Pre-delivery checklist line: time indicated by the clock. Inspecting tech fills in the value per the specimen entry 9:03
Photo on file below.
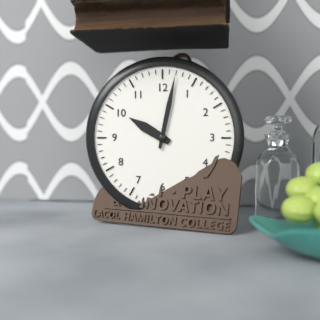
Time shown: 10:02
